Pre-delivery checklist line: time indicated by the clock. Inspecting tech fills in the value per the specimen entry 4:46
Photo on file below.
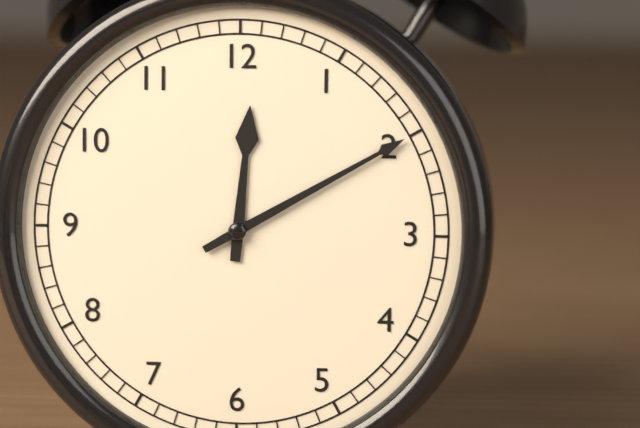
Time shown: 12:10
